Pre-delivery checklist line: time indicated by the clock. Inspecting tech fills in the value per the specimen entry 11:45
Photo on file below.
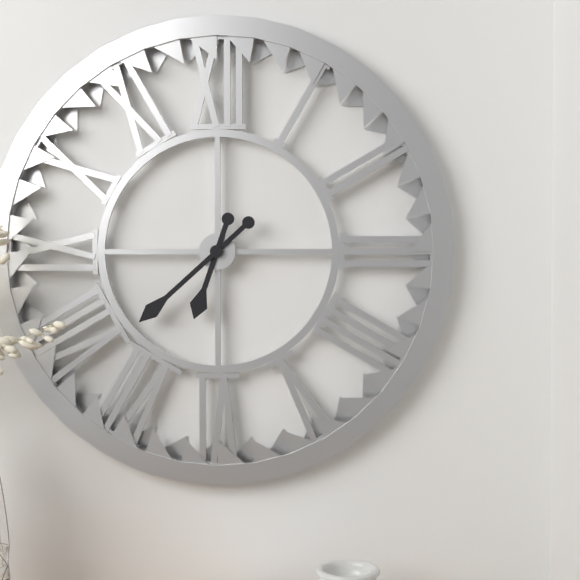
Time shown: 6:38
